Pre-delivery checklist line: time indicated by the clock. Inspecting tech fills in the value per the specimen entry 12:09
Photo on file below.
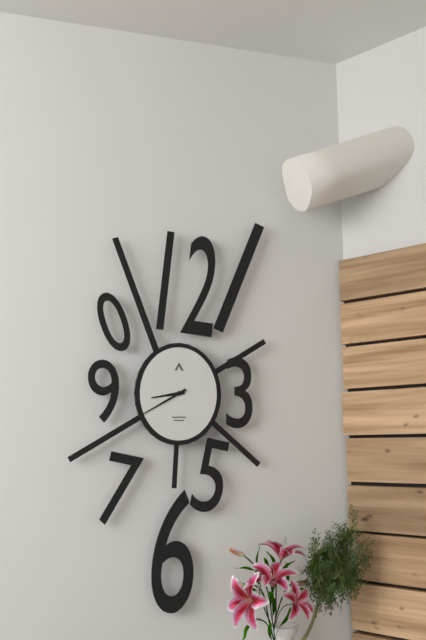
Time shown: 8:40
